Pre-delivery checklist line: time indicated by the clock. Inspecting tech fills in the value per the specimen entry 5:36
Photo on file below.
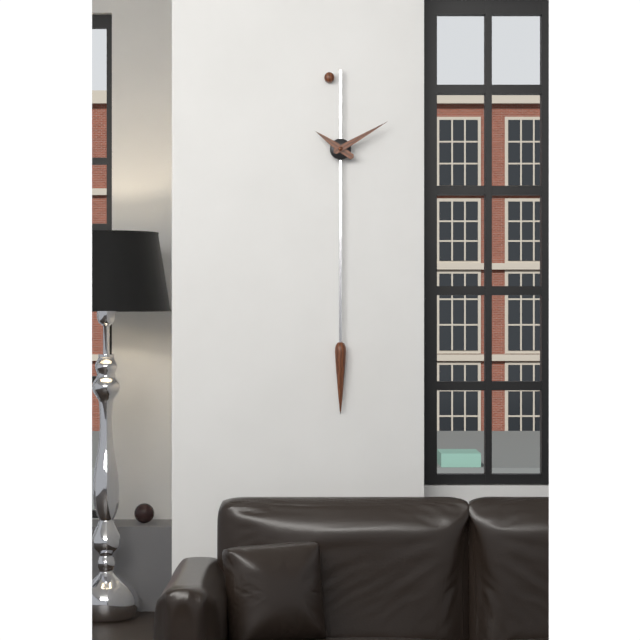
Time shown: 10:10
